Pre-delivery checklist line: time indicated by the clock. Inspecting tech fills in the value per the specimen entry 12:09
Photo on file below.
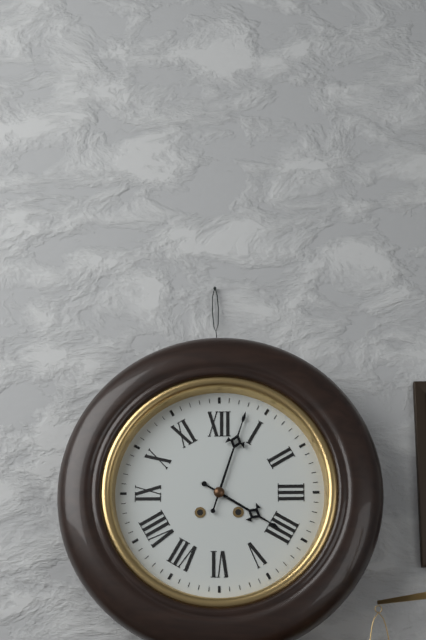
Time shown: 4:03
